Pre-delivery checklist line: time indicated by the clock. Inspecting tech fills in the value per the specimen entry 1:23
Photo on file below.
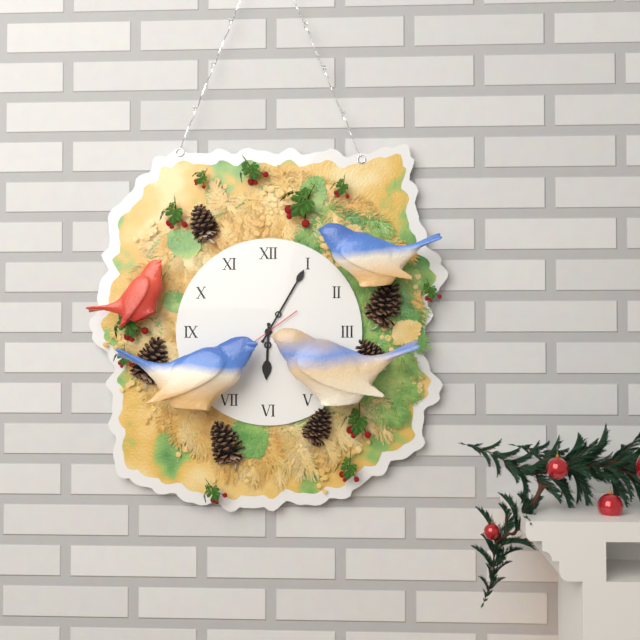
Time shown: 6:05
